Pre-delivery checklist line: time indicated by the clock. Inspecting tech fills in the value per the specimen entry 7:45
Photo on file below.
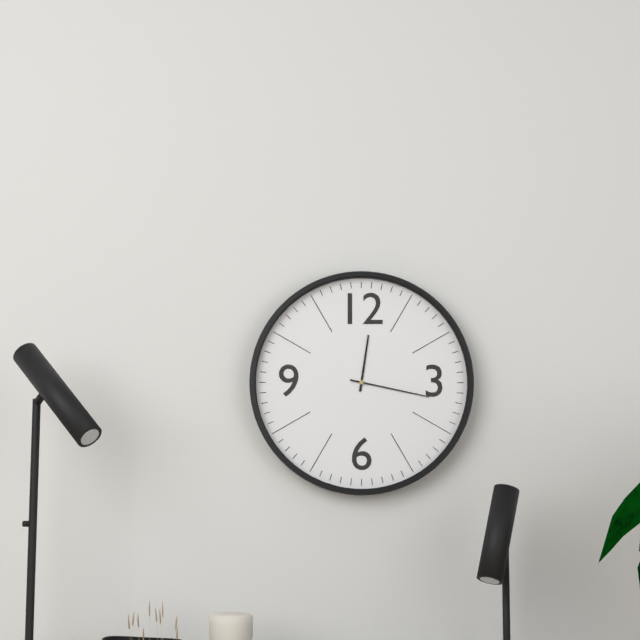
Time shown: 12:17
